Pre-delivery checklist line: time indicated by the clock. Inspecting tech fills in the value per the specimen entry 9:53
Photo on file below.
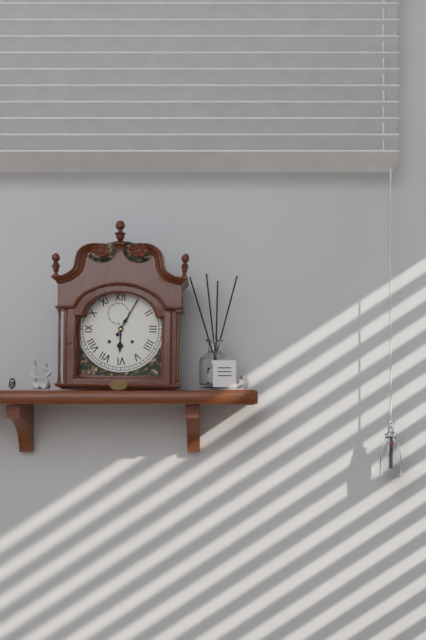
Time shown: 6:05
